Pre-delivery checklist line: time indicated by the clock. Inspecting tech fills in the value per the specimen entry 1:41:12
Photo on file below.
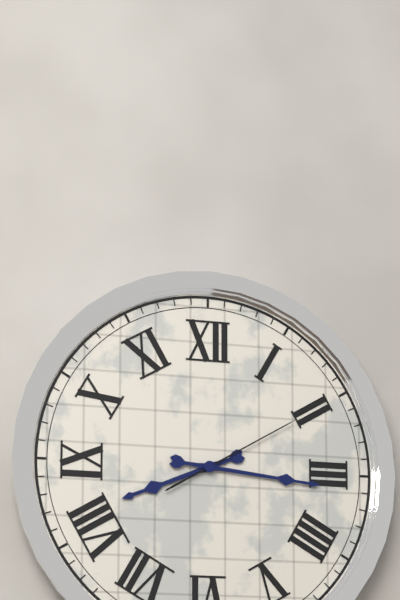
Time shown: 8:16:10
